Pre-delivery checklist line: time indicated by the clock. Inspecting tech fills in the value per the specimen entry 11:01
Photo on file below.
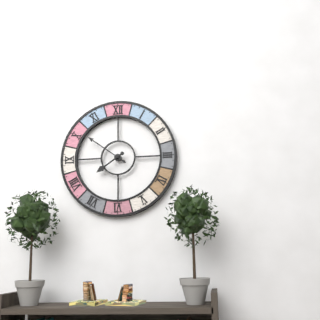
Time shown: 7:51
